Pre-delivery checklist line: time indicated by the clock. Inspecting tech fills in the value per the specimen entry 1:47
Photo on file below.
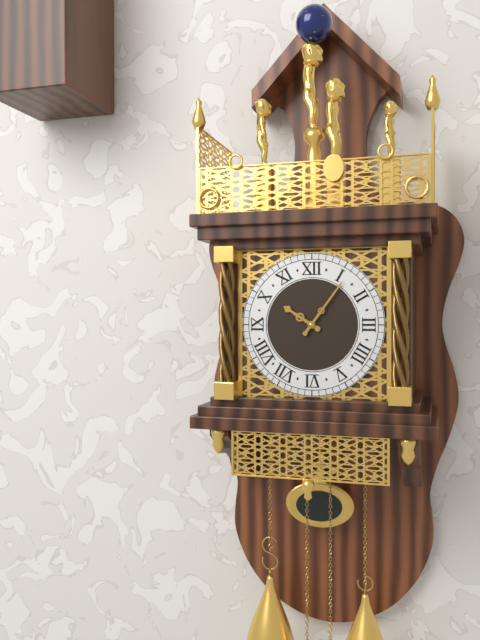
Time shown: 10:06
